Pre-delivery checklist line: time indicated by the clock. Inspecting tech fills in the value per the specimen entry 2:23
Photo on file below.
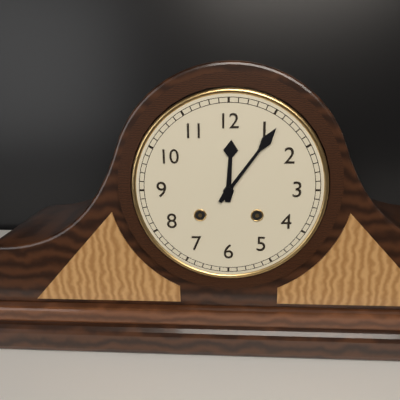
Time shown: 12:06
